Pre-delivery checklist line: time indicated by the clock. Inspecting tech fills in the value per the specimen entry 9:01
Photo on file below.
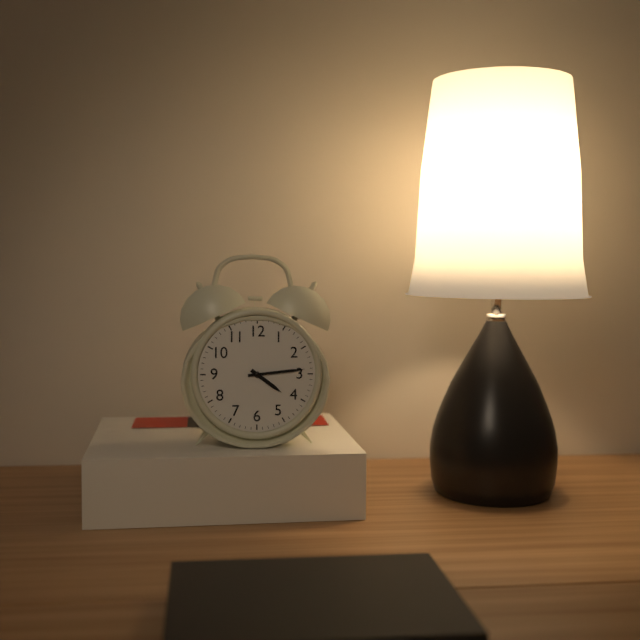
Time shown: 4:14
